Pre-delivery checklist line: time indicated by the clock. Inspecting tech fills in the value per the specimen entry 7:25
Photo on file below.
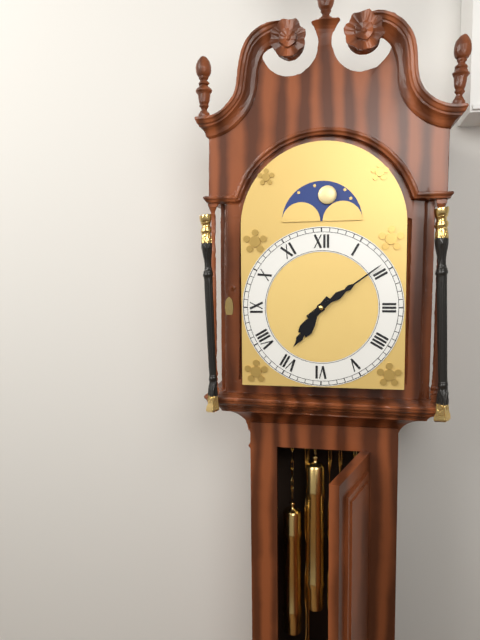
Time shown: 7:09
